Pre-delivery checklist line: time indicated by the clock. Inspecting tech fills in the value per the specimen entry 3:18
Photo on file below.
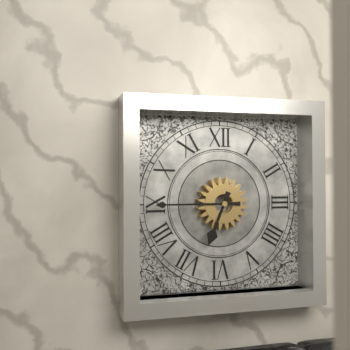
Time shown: 6:45
